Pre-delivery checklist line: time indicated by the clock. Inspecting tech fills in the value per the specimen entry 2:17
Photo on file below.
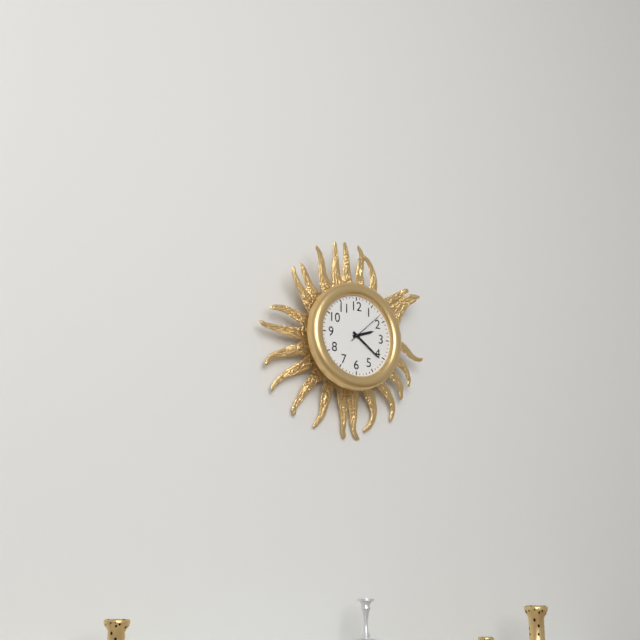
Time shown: 2:21
